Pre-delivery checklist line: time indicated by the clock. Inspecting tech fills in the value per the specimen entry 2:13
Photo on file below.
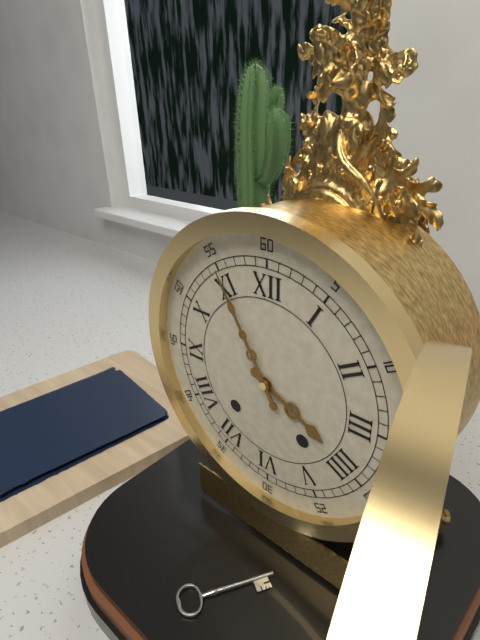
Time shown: 3:55
